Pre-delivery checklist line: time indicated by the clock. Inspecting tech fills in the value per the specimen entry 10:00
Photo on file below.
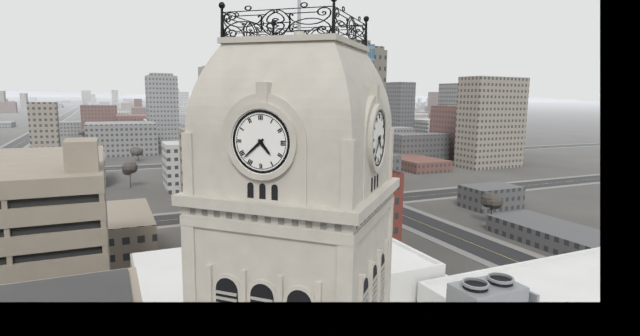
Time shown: 4:38
